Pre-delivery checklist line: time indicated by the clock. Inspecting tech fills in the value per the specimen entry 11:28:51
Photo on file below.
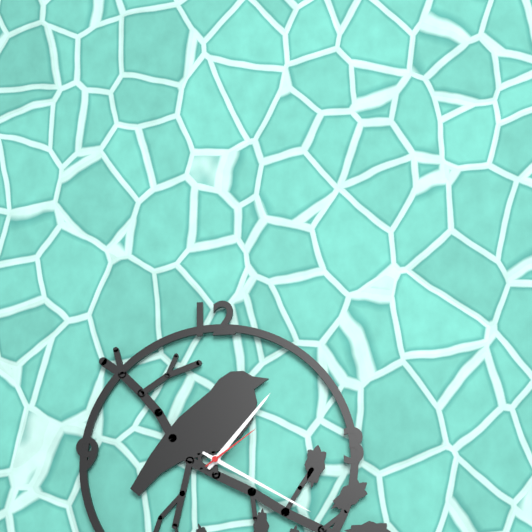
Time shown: 1:20:09
